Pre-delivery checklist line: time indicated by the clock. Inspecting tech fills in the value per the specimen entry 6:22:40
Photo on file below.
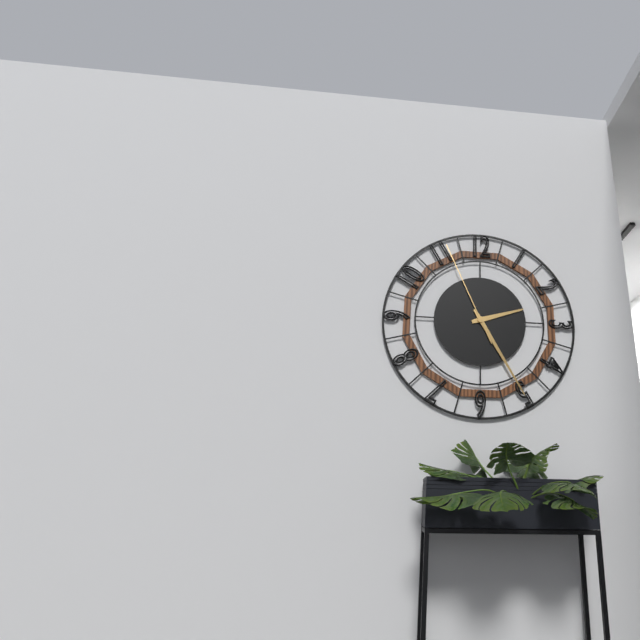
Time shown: 2:25:56
